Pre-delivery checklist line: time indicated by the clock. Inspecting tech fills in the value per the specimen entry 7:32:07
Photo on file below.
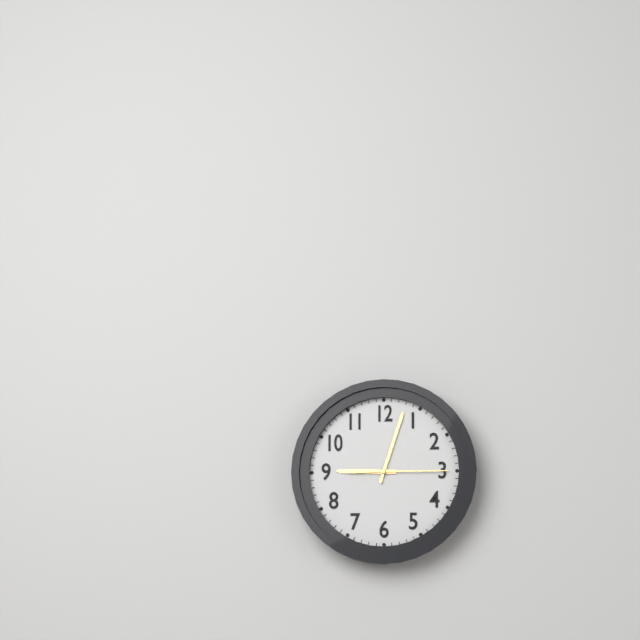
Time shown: 9:03:15
